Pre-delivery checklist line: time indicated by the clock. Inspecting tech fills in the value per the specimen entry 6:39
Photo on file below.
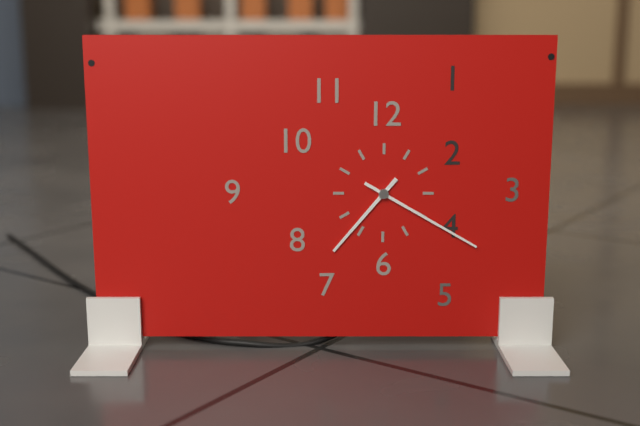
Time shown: 7:20
